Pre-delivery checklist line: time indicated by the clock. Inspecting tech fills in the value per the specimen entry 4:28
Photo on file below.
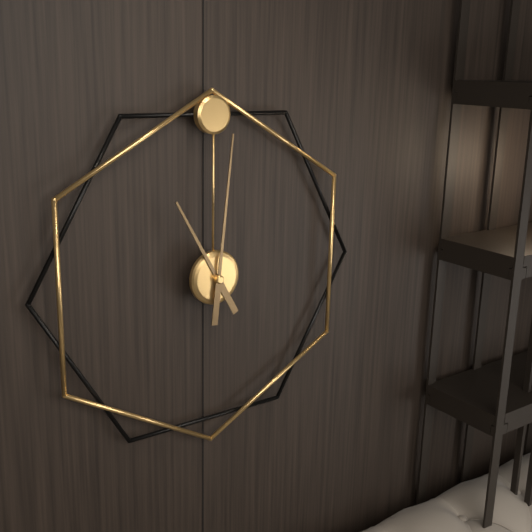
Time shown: 11:01
